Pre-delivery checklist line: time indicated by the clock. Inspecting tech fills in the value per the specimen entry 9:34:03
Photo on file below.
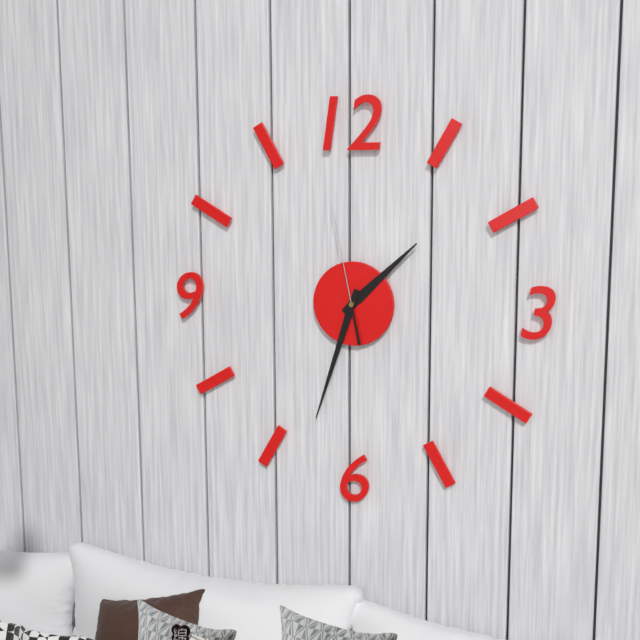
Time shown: 1:33:58
